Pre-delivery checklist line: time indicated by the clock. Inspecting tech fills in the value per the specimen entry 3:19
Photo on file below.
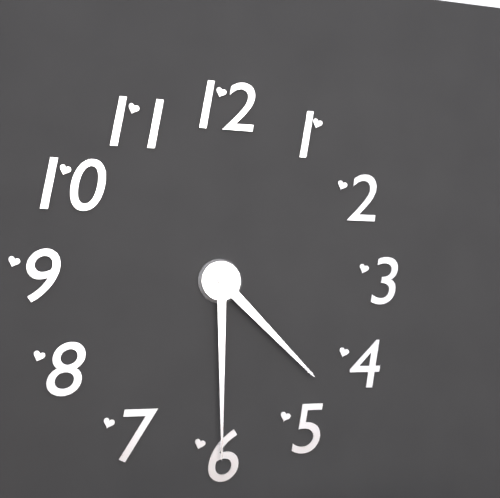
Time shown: 4:30
